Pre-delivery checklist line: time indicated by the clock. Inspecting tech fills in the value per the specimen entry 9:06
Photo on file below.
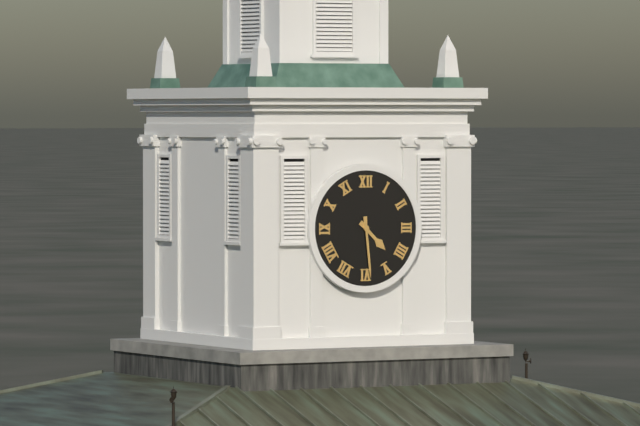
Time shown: 4:29
